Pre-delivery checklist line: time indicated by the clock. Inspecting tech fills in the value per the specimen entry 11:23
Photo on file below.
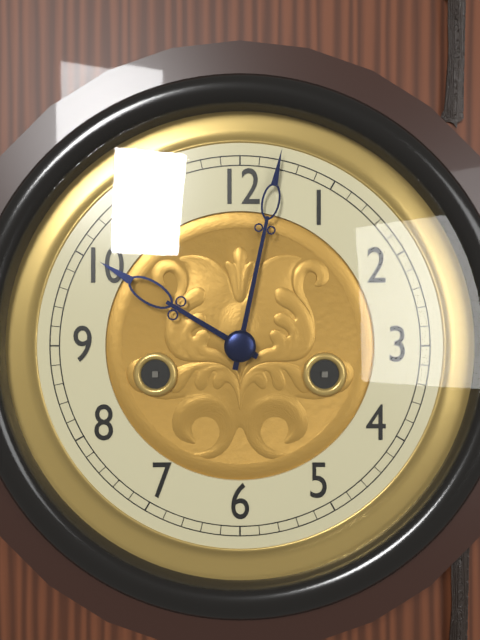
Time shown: 10:02
